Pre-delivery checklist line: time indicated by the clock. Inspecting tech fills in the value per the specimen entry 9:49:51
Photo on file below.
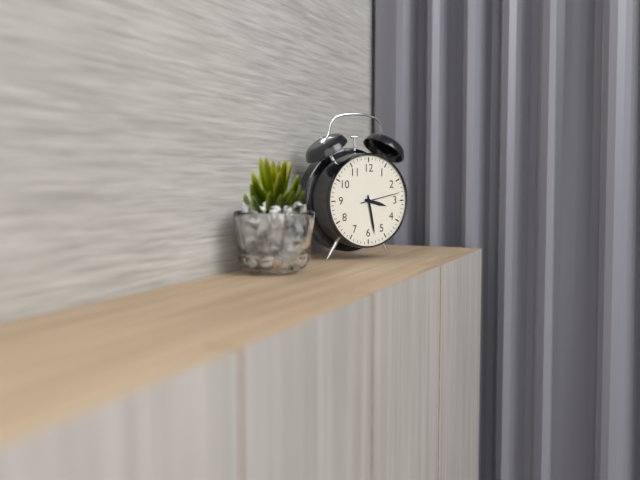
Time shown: 3:28:13
